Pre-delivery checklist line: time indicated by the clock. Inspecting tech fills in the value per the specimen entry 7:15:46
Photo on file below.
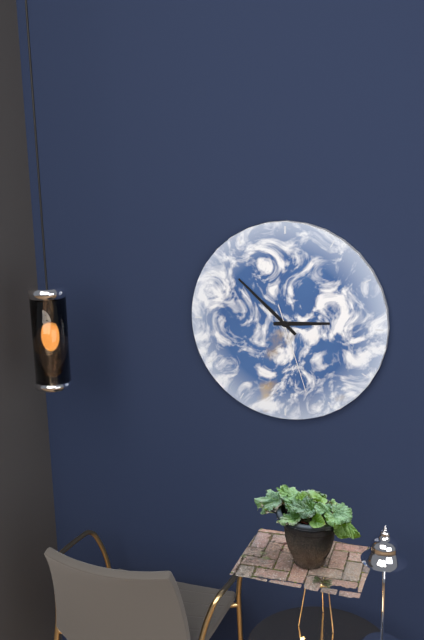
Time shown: 2:52:27
